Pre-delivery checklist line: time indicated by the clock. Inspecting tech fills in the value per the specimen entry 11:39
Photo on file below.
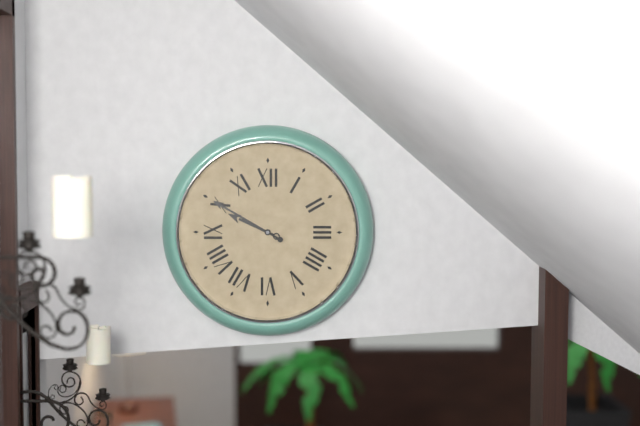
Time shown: 9:50
